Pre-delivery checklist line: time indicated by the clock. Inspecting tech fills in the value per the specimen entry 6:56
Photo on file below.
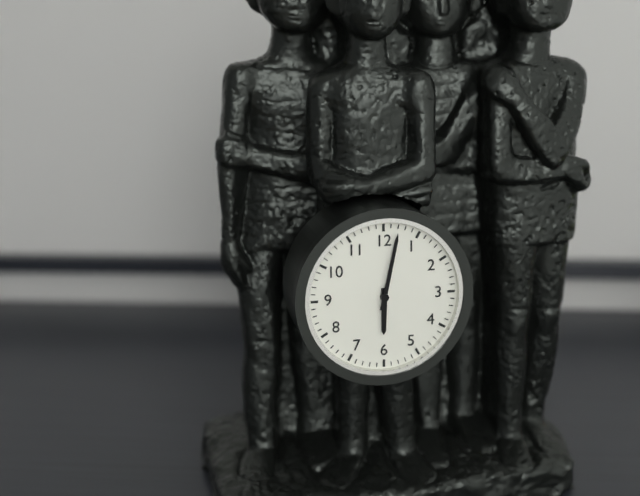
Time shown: 6:02
